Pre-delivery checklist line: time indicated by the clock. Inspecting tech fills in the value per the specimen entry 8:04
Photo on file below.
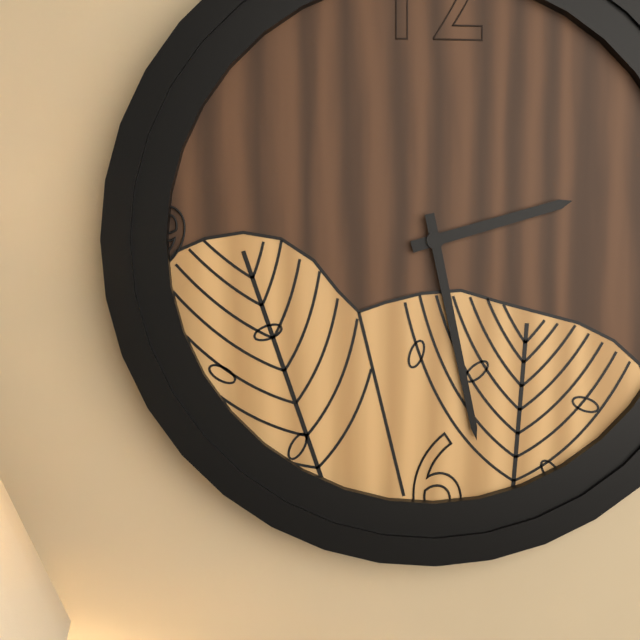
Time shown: 2:28
